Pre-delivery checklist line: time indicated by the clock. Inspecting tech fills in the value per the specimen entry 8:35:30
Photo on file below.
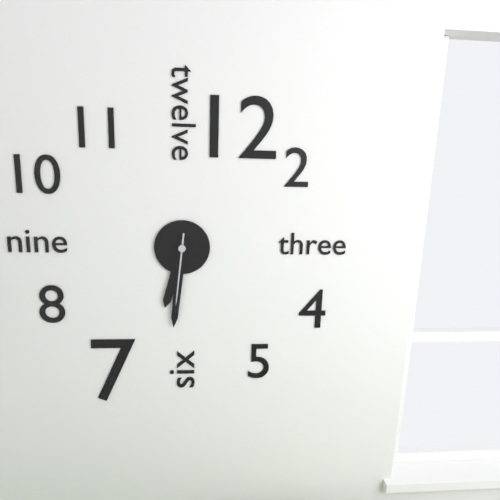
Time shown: 6:31:31
